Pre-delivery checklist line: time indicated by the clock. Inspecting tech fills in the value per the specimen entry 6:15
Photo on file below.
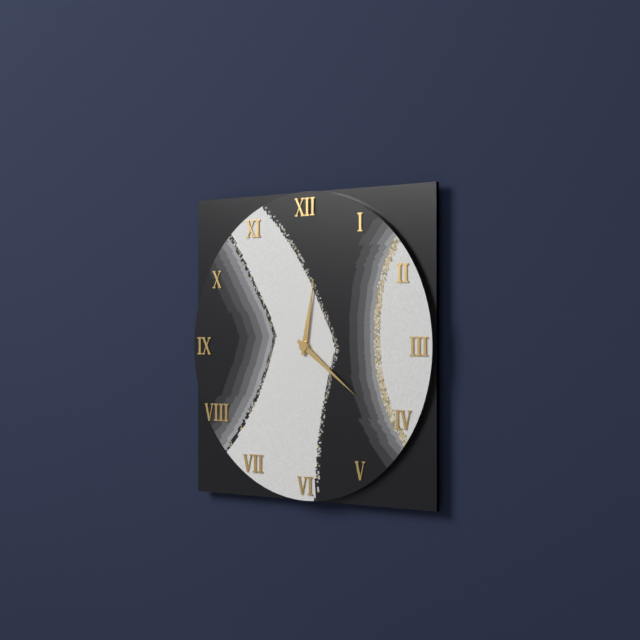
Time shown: 12:21
